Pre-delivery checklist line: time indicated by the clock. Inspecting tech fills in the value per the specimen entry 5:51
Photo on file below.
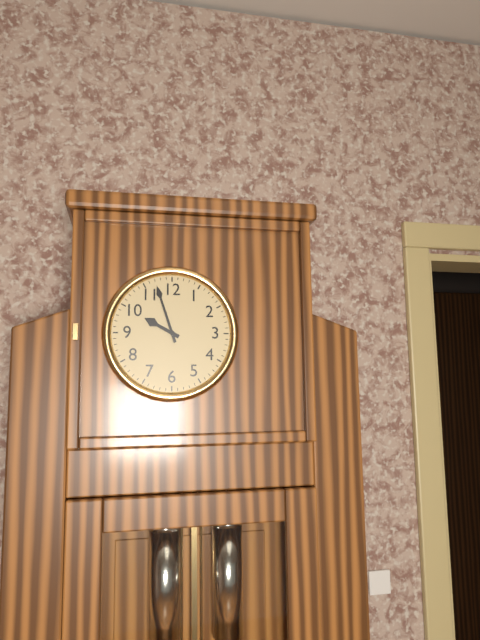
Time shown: 9:57
